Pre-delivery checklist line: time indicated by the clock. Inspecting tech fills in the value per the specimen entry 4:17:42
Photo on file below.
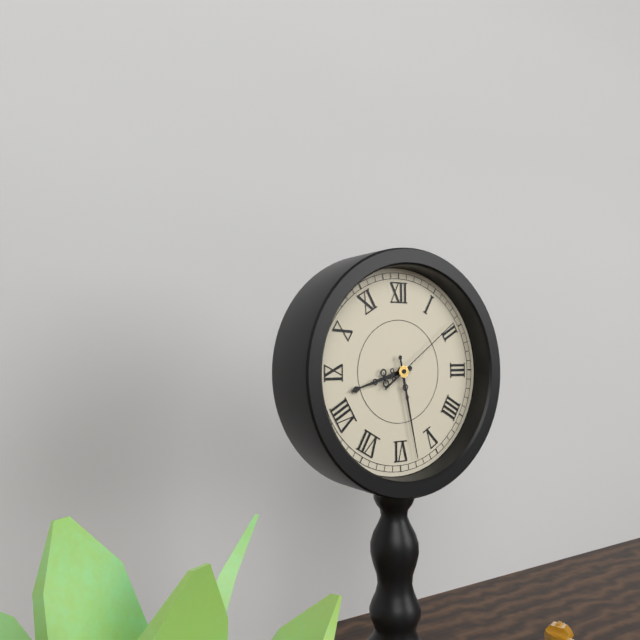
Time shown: 8:28:09
